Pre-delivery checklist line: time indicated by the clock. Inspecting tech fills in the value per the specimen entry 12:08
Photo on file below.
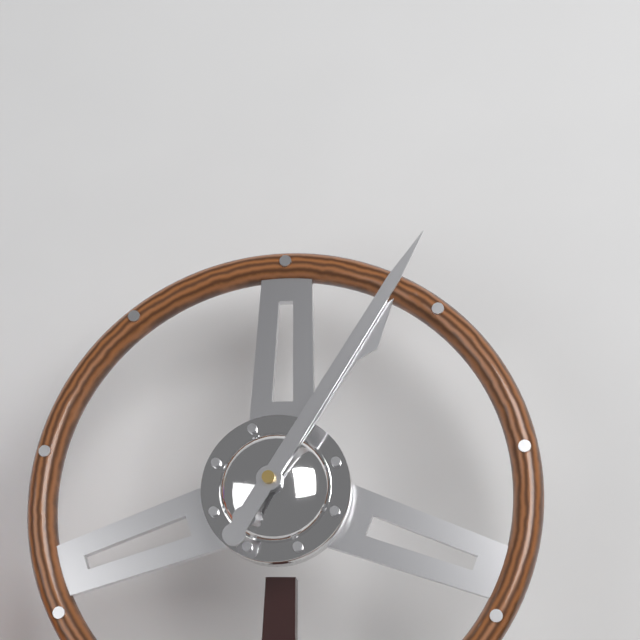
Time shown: 1:05
